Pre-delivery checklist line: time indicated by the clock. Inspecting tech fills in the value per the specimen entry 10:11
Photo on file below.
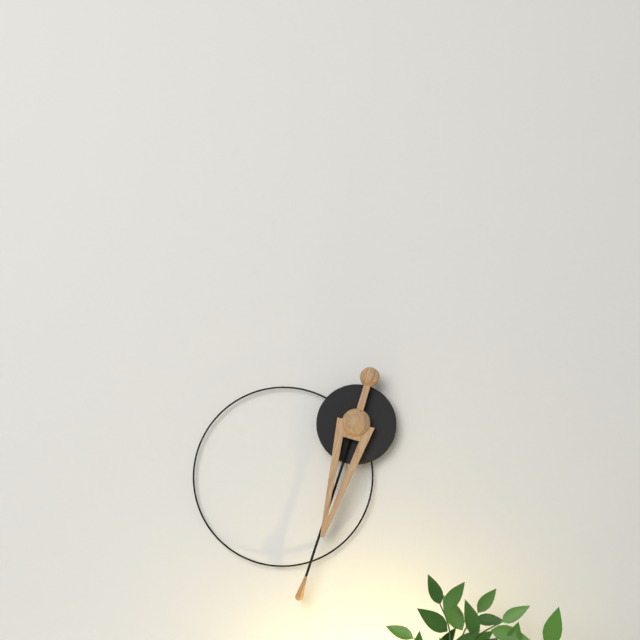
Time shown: 6:33
